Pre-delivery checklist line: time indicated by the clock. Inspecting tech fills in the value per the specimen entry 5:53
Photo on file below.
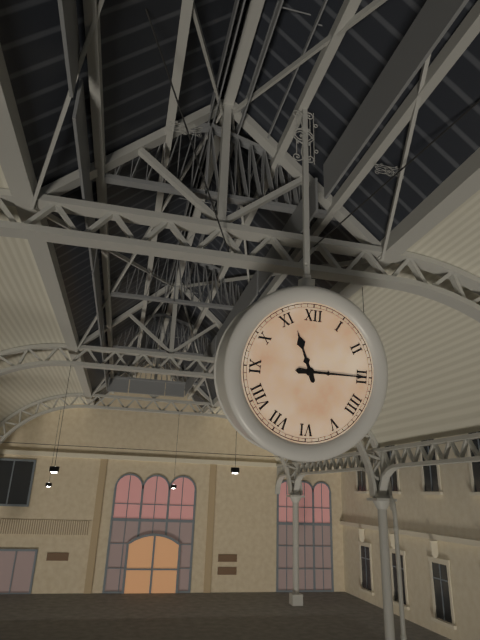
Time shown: 11:15
